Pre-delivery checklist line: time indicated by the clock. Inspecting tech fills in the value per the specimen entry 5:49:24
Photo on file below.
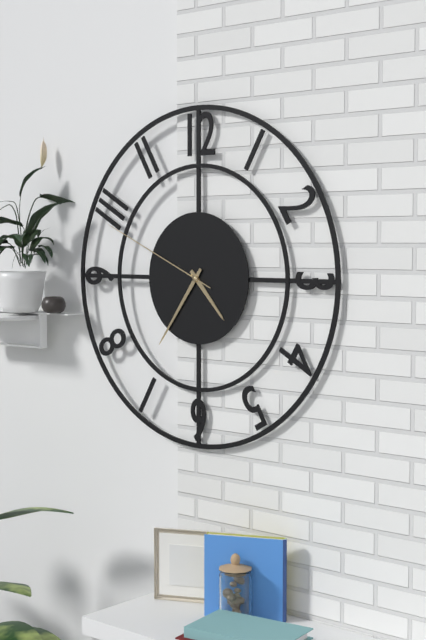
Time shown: 4:36:49
